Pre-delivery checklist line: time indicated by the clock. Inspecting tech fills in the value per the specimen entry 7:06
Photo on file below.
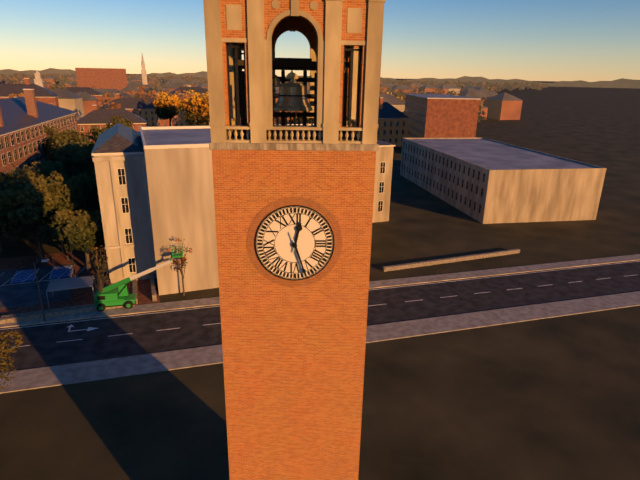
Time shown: 12:27
